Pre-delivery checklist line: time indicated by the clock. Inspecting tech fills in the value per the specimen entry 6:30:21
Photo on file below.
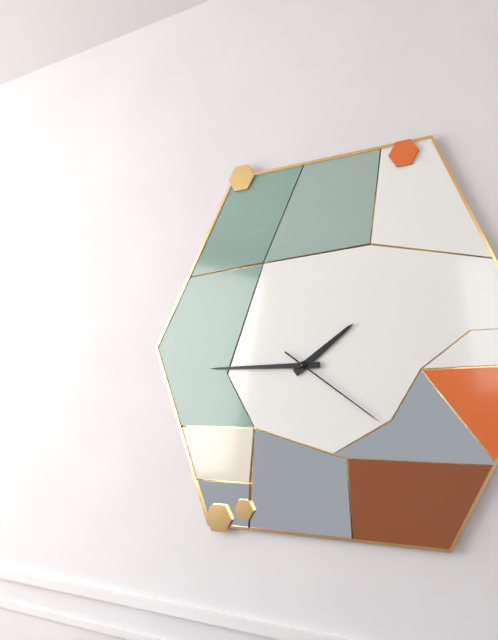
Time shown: 1:45:21
